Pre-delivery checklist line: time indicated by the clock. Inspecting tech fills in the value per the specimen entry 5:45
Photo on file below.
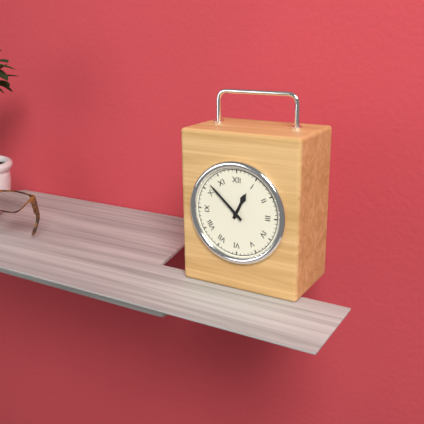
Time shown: 12:52
